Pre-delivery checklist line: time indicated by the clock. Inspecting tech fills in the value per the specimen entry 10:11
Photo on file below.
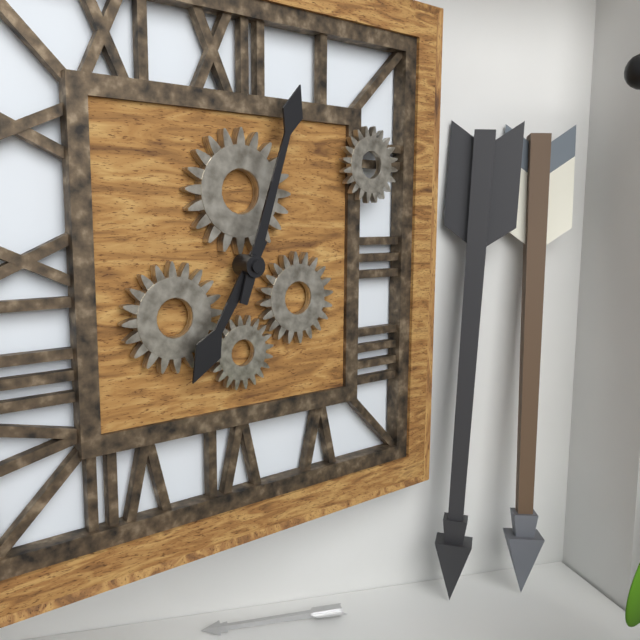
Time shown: 7:03
